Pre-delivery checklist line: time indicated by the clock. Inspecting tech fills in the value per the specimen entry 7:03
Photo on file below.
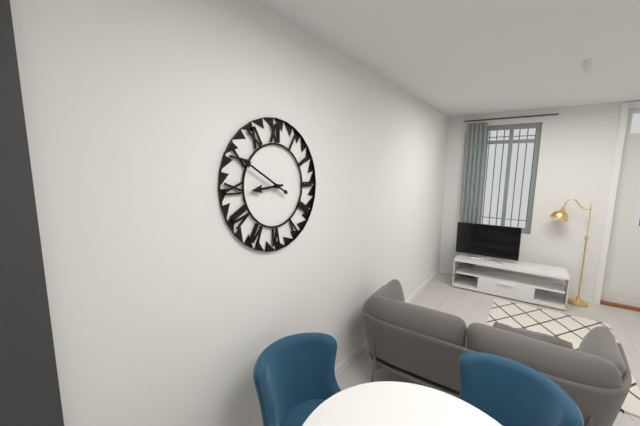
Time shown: 8:50
